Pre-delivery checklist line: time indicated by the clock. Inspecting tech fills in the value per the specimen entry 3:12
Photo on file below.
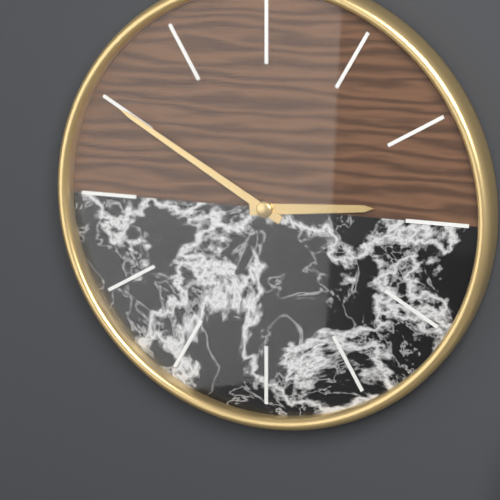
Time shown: 2:50
